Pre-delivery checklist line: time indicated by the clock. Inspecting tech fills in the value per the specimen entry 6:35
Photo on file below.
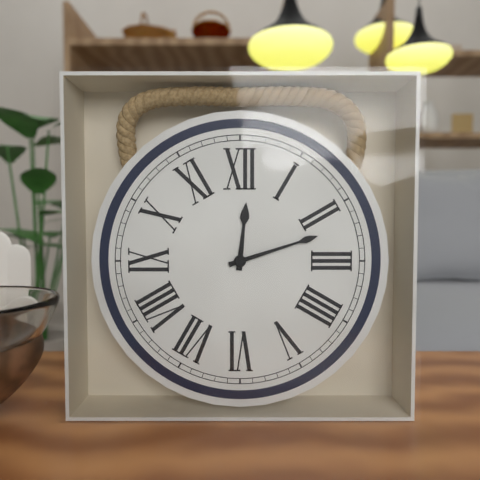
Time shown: 12:12
